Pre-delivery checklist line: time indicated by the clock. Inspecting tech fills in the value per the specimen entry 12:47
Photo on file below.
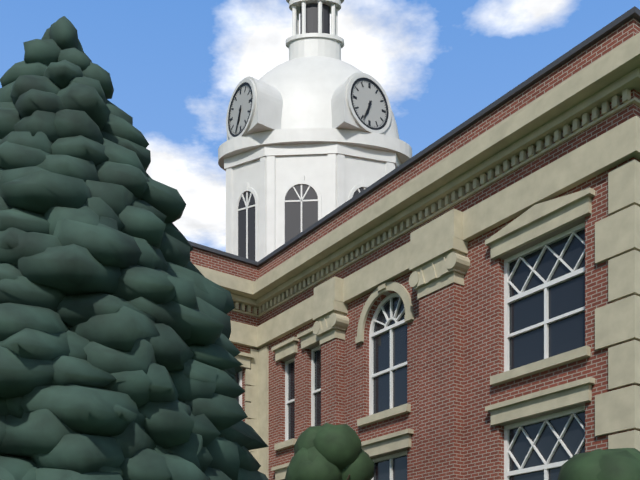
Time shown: 6:34
